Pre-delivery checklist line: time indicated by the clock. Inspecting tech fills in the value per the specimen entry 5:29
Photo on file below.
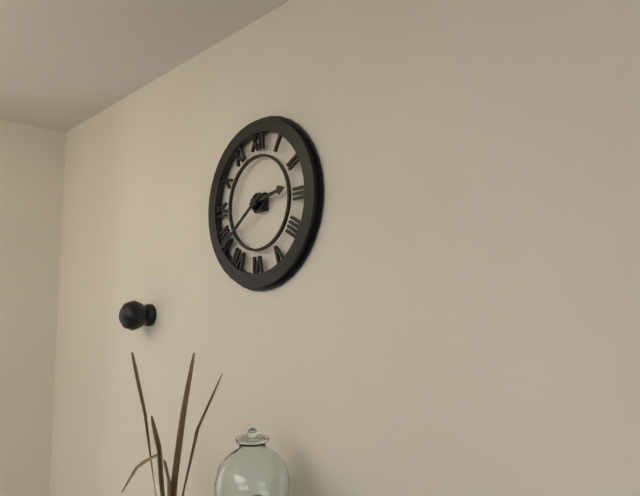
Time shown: 2:39
